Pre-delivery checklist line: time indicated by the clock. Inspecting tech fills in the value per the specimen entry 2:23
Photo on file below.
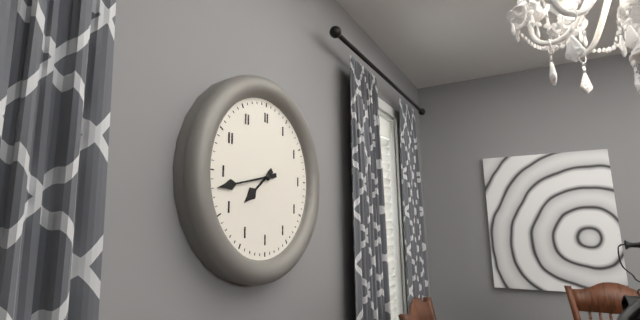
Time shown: 7:43
